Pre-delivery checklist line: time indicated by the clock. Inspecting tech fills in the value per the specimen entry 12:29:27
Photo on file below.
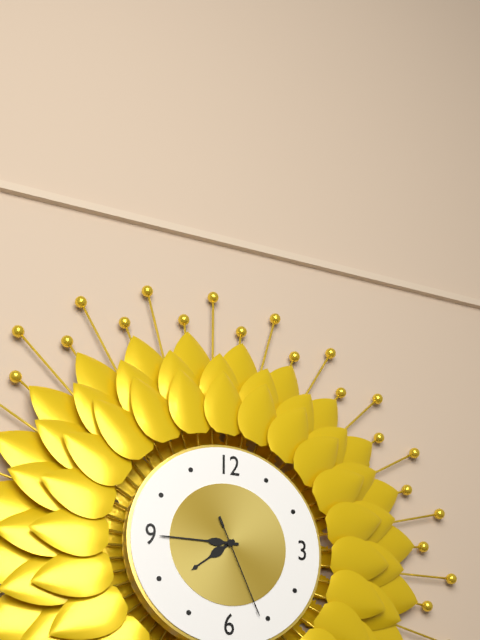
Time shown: 7:45:26
